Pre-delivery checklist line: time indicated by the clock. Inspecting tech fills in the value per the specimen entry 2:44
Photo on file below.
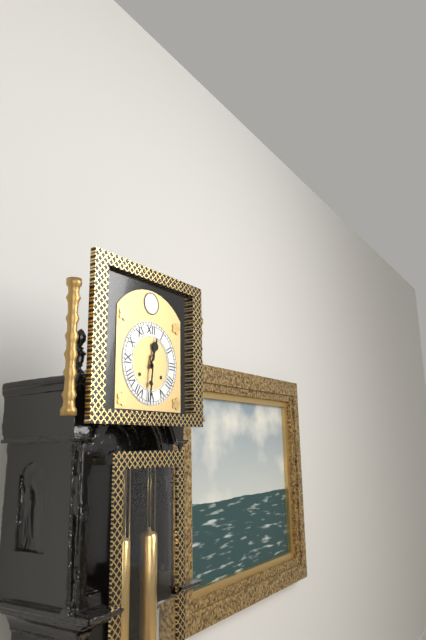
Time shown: 12:31
